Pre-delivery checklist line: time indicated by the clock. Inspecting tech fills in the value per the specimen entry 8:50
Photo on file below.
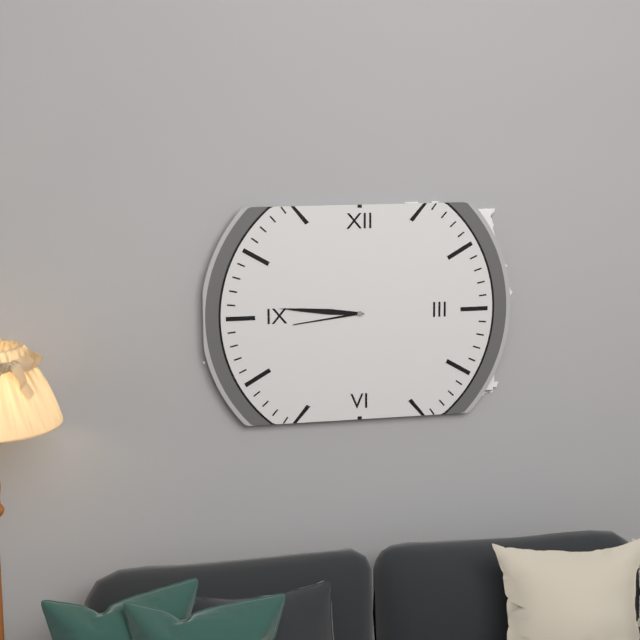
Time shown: 8:46
